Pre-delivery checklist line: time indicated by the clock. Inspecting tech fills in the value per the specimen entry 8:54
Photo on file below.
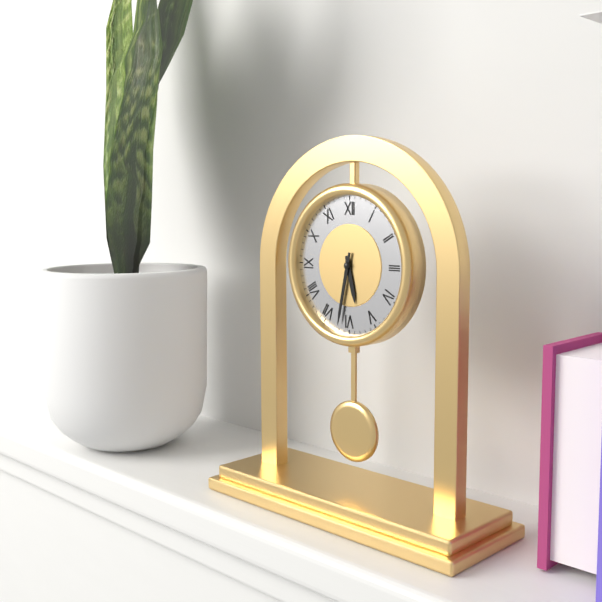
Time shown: 5:32
